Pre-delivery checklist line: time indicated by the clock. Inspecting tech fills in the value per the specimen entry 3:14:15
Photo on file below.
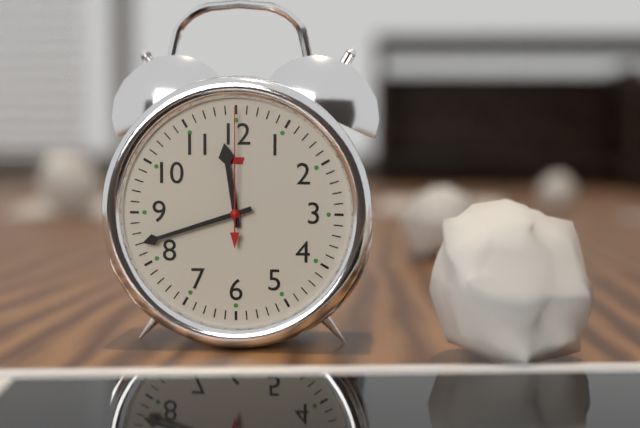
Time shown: 11:42:00
